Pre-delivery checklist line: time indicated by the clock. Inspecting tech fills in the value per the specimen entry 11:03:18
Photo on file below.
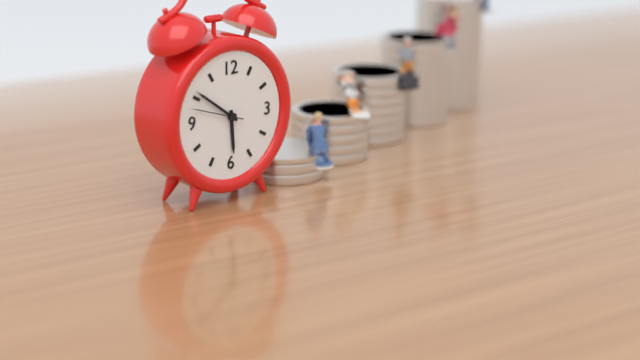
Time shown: 5:51:48
